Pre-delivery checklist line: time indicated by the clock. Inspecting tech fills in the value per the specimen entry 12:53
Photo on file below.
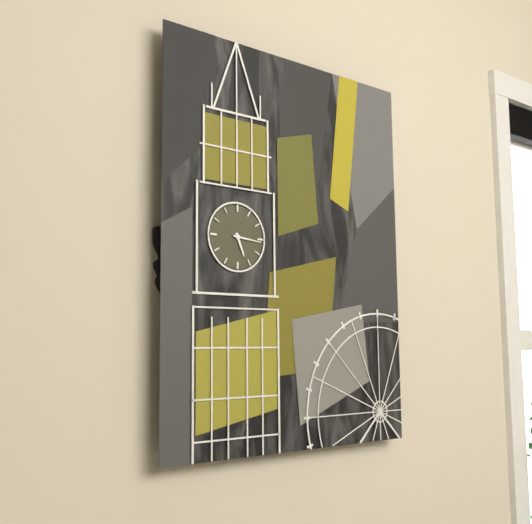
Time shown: 5:16
